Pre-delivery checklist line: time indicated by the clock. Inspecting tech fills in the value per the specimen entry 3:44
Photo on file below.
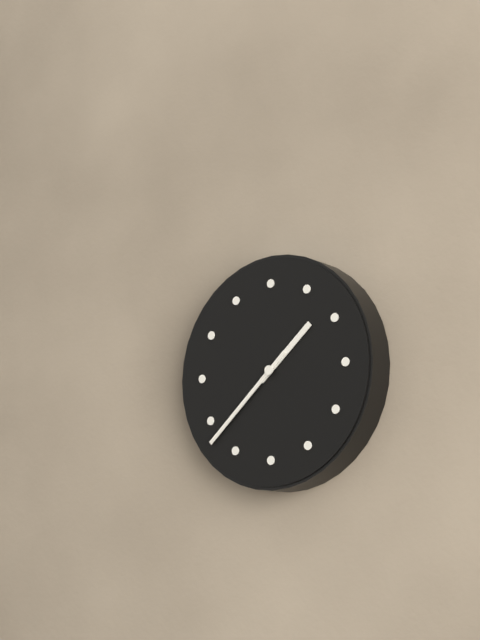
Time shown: 1:38
